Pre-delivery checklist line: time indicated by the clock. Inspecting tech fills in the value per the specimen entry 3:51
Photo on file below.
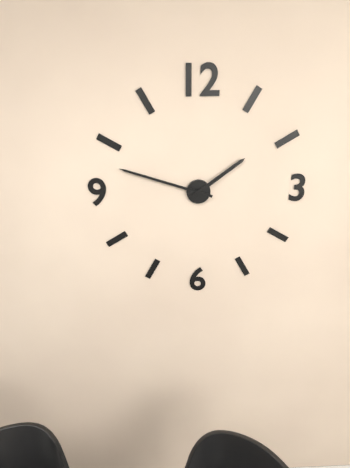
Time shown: 1:48
